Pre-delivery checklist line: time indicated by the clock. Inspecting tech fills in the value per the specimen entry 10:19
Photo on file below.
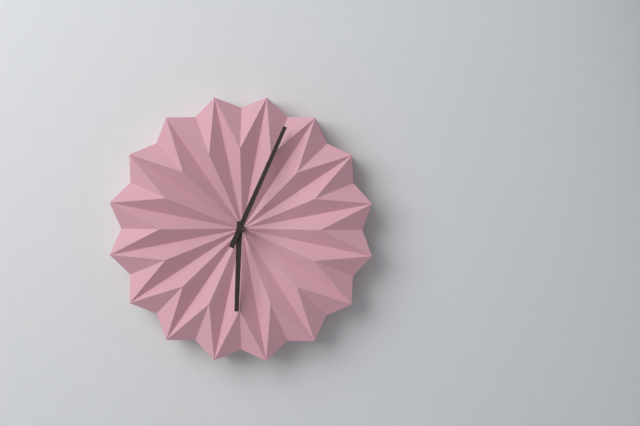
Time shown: 6:04
